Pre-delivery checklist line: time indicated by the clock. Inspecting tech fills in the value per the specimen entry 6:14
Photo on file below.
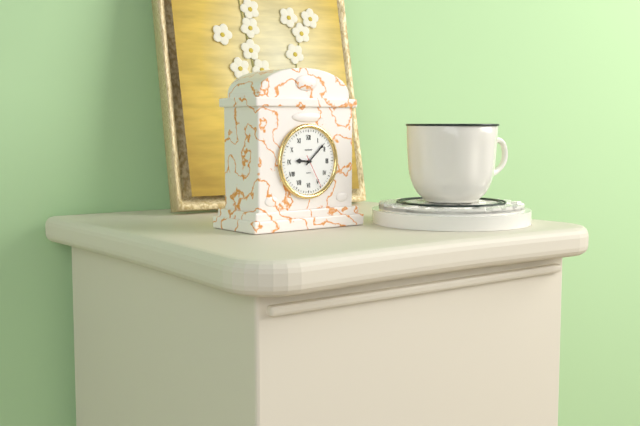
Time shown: 9:08
